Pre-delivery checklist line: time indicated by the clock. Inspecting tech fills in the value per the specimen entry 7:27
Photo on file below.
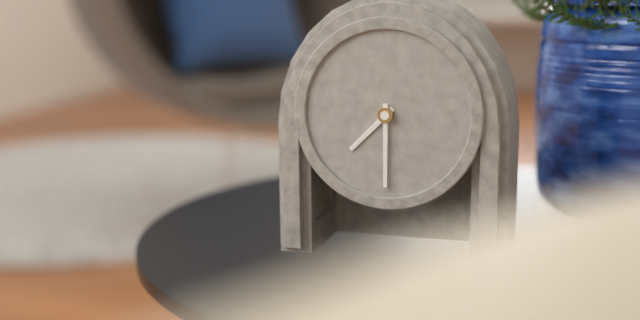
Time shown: 7:30
